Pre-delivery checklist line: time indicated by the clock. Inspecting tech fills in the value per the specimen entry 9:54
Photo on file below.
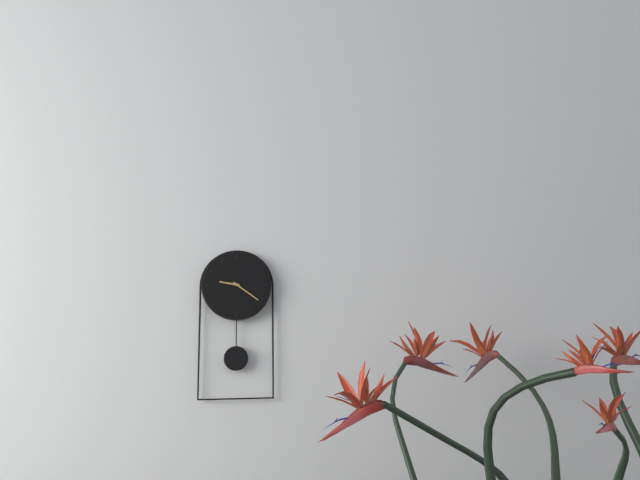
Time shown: 9:21
